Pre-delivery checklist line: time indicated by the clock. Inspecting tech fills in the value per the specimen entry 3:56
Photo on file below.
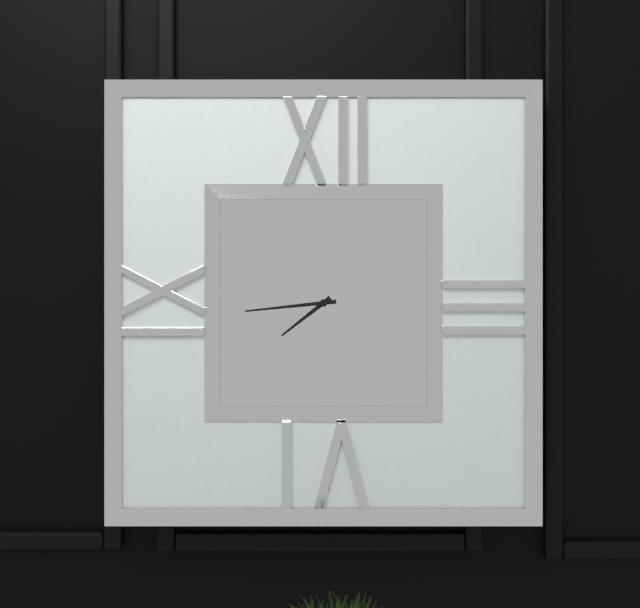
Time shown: 7:44
